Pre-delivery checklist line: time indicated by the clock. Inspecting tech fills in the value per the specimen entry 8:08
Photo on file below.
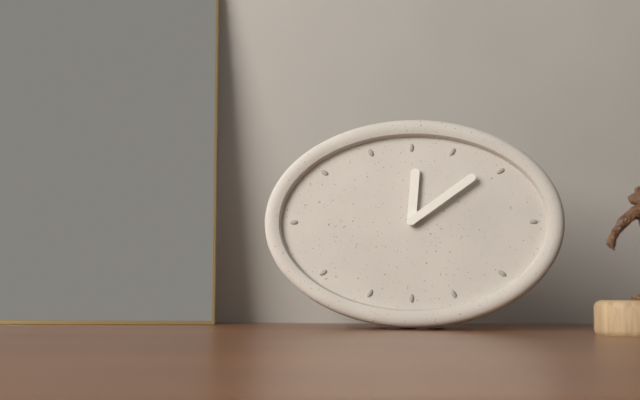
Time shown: 12:09
